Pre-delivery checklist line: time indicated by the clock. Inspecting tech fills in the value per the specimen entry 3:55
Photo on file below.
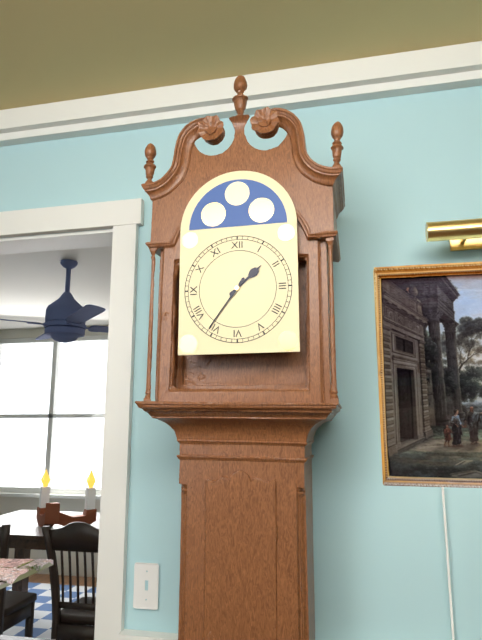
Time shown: 1:36
